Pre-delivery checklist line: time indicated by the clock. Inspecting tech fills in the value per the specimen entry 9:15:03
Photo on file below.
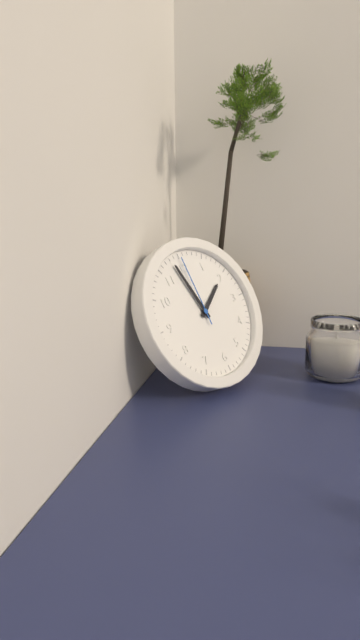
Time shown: 1:58:00
